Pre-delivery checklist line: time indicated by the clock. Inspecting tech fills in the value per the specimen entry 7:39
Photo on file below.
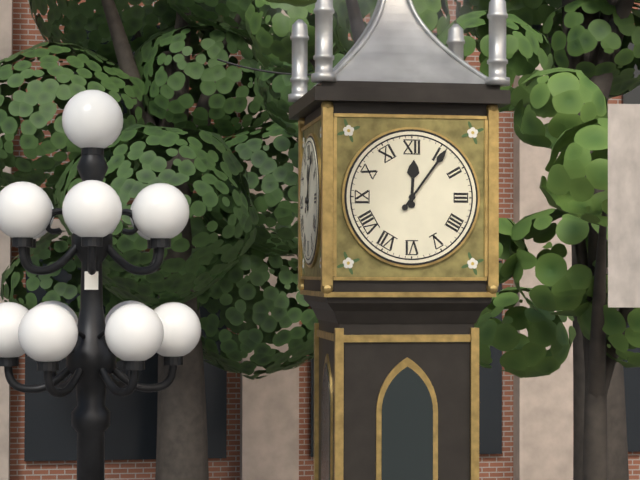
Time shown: 12:06
